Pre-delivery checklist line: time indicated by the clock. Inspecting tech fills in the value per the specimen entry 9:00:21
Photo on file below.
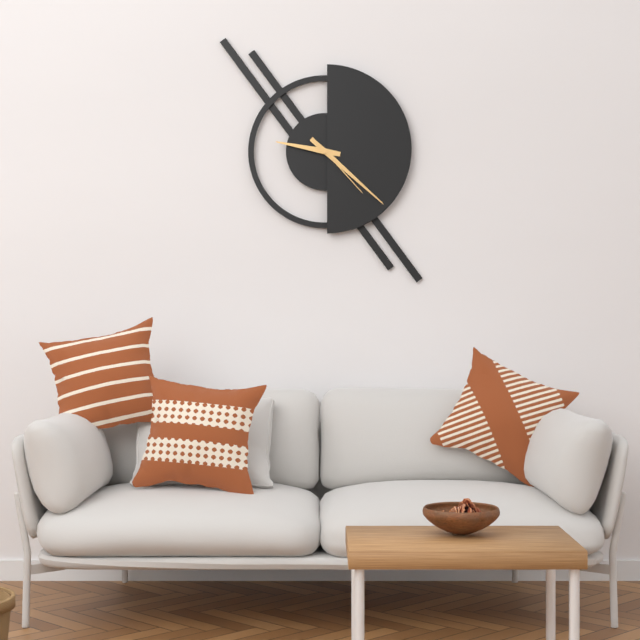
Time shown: 9:22:23
